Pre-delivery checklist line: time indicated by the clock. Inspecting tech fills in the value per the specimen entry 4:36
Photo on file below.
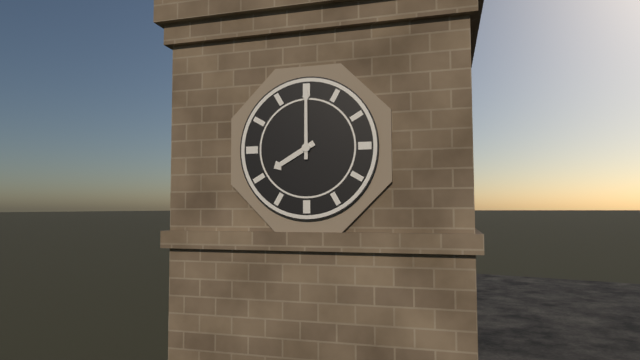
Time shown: 8:00
